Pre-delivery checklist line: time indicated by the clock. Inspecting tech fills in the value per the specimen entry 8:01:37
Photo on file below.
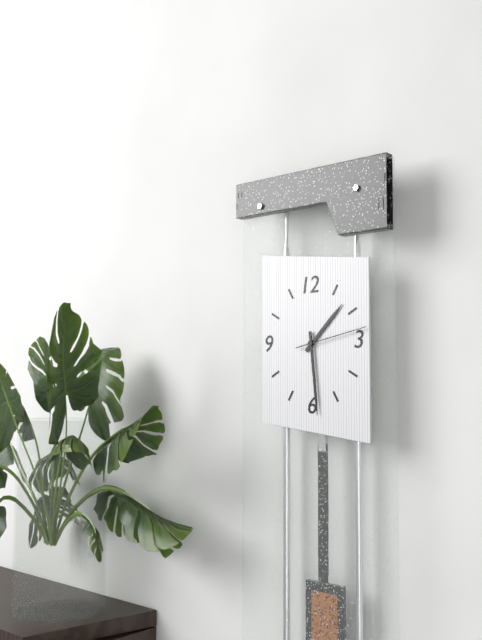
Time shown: 1:29:13
